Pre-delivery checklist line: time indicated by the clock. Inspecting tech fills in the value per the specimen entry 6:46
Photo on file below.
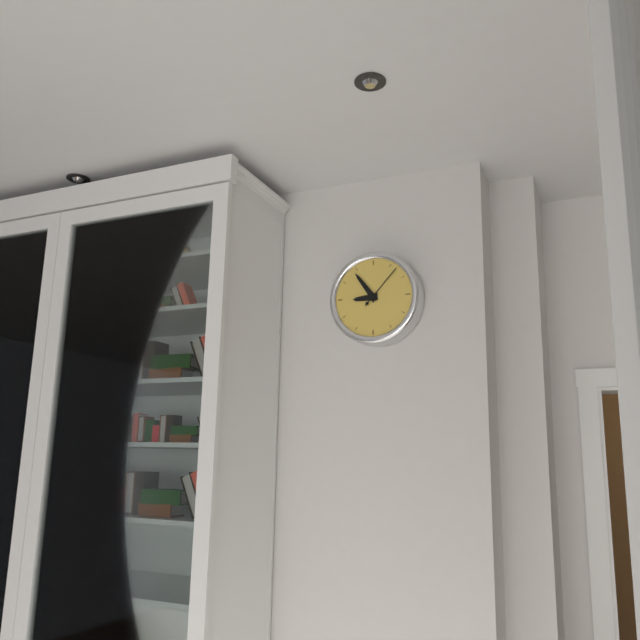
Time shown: 8:54
